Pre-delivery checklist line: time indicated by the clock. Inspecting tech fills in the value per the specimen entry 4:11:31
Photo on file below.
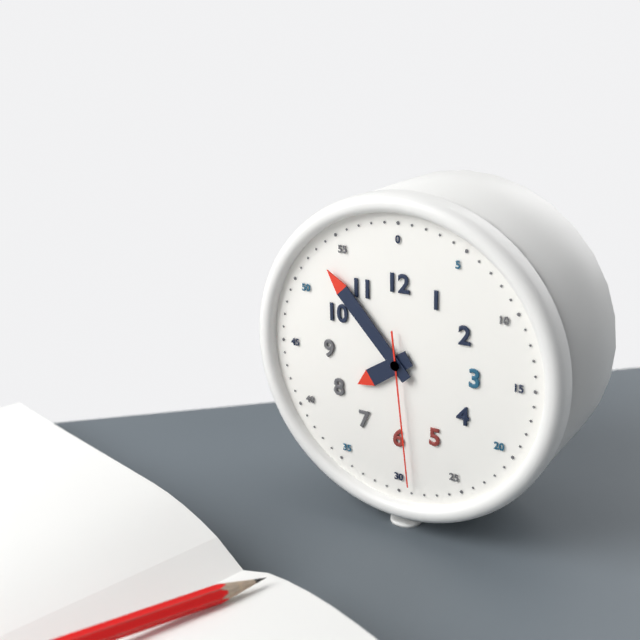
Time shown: 7:53:29
